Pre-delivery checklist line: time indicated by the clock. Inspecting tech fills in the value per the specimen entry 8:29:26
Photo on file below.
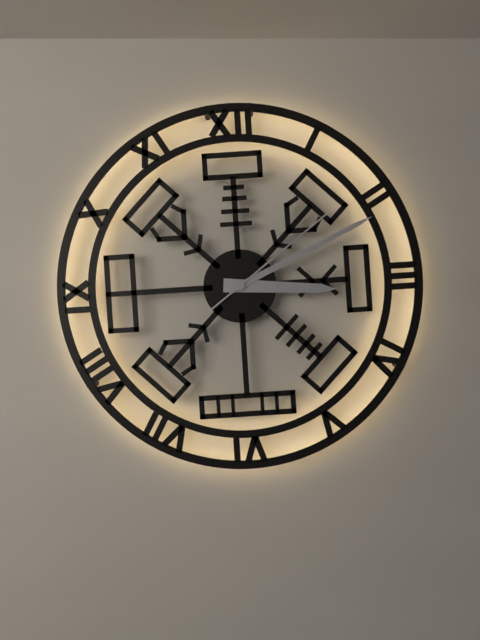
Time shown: 3:11:09
